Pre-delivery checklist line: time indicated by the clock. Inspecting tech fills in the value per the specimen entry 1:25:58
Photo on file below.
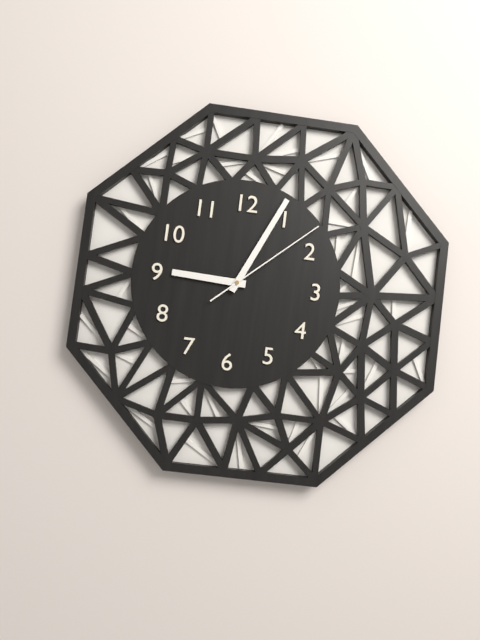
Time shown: 9:04:08
